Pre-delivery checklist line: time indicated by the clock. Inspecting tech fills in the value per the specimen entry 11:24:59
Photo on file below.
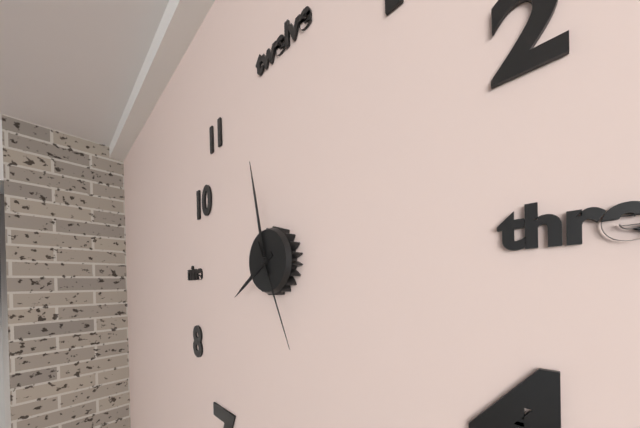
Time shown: 7:58:26
